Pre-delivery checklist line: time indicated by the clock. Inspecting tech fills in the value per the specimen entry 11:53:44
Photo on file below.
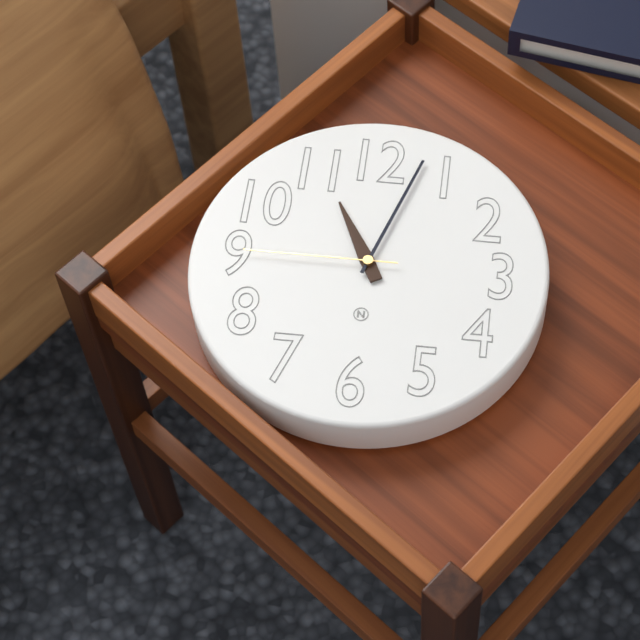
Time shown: 11:03:45
